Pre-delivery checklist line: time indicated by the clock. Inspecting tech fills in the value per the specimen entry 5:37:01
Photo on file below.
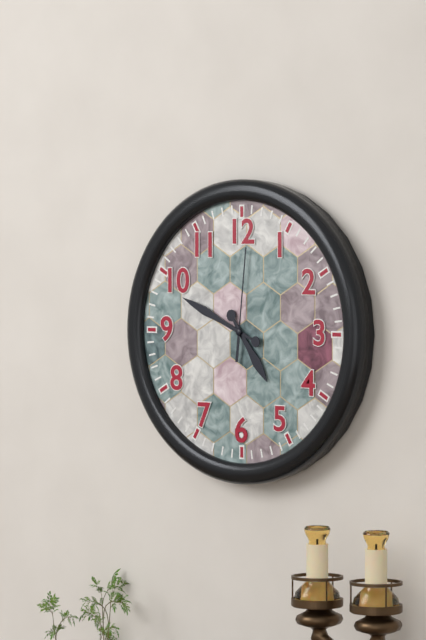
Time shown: 4:49:01
